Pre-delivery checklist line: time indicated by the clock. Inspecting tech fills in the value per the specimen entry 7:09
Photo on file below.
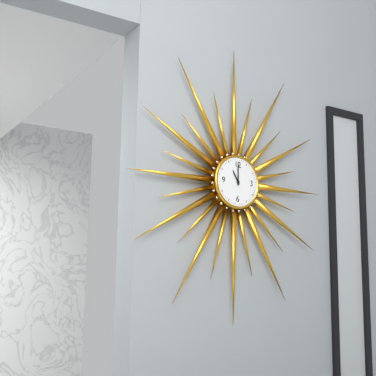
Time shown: 11:00
